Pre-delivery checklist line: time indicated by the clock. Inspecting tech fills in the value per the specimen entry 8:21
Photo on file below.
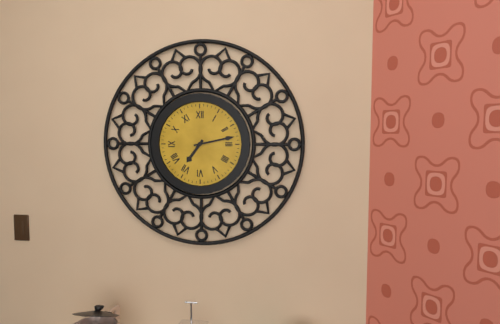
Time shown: 7:13
